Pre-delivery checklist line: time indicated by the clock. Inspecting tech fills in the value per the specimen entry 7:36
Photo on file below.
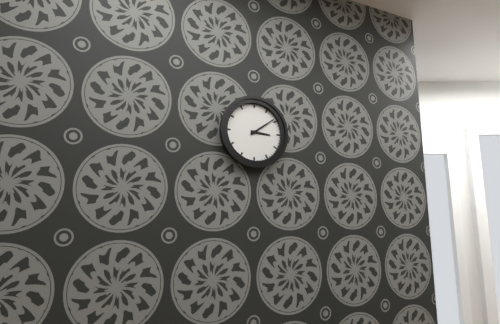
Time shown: 3:09
